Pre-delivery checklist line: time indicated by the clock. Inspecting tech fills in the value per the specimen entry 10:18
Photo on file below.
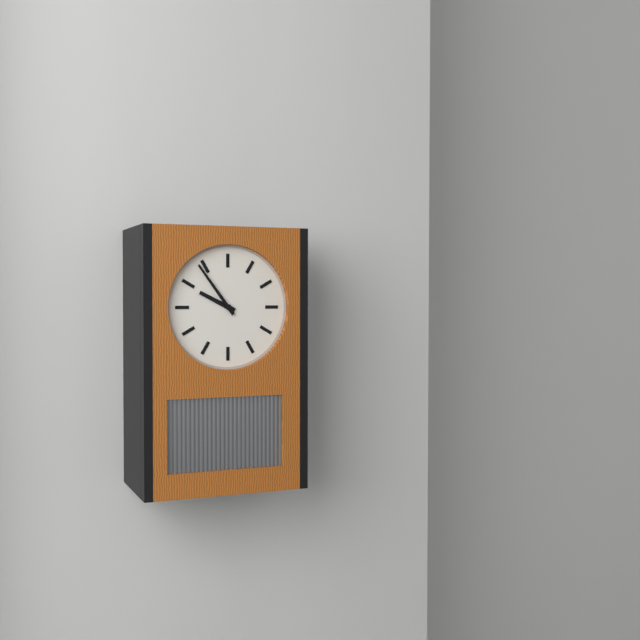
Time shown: 9:54
